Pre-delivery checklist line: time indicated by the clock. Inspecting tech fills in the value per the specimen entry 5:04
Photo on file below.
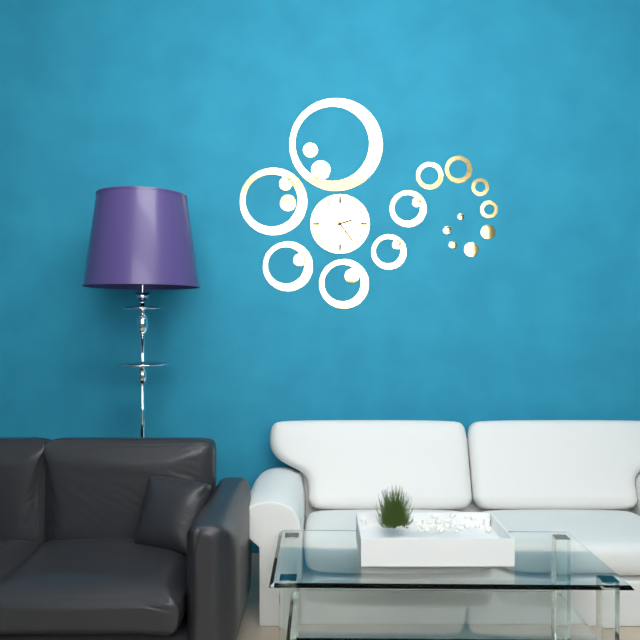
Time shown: 2:24
